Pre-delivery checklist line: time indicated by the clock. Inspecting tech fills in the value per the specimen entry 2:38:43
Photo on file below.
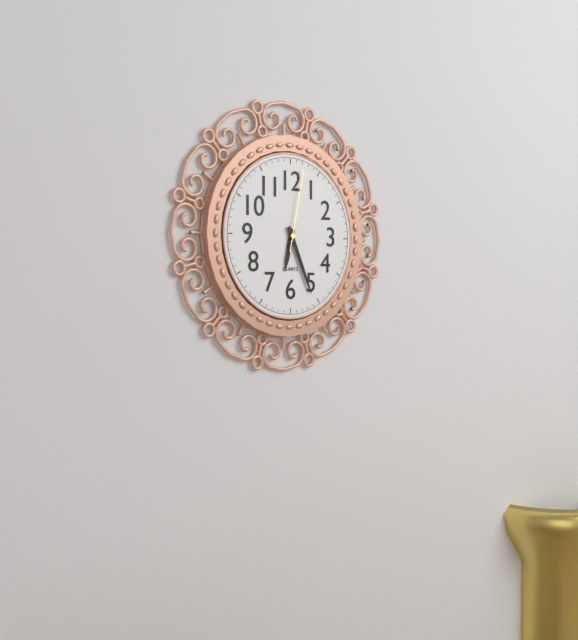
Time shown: 6:26:02
